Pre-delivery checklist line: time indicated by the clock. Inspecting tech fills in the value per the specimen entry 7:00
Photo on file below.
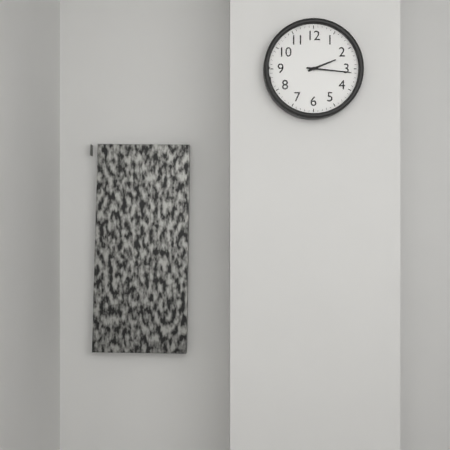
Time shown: 2:16
